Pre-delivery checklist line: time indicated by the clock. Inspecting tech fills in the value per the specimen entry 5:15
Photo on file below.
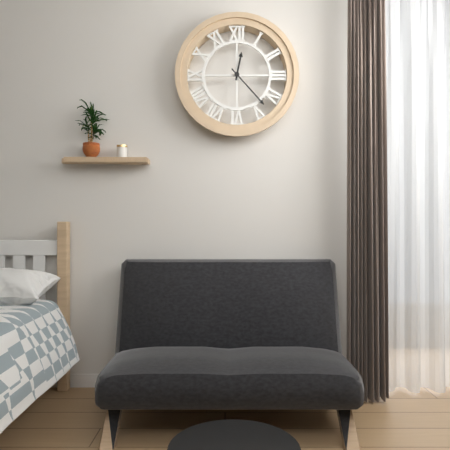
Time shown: 12:23
